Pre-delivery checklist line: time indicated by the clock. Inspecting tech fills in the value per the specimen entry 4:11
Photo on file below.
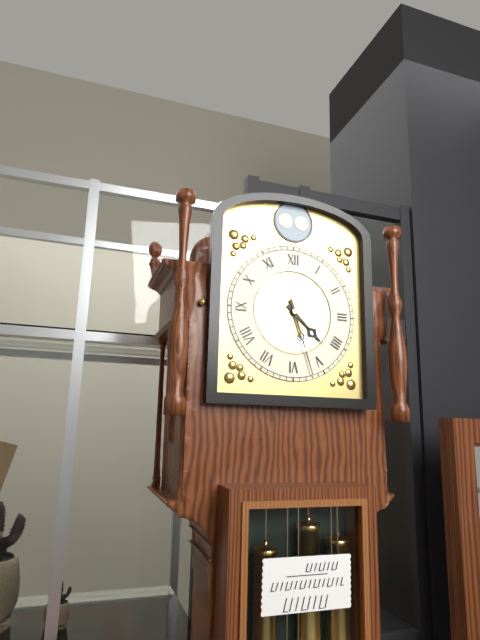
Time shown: 4:27
